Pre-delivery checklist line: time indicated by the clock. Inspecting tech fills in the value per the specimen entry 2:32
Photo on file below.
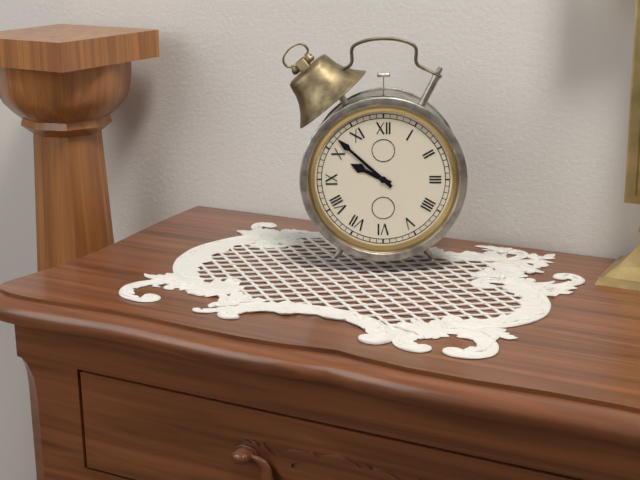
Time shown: 9:52
